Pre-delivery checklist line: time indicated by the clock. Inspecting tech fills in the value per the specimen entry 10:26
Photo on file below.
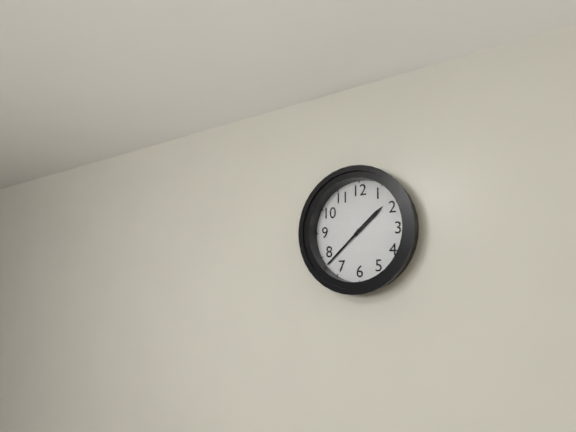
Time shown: 1:38
